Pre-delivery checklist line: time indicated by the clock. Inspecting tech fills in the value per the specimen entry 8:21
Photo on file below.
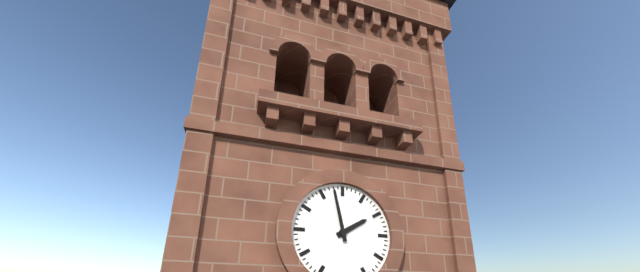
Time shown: 1:58
